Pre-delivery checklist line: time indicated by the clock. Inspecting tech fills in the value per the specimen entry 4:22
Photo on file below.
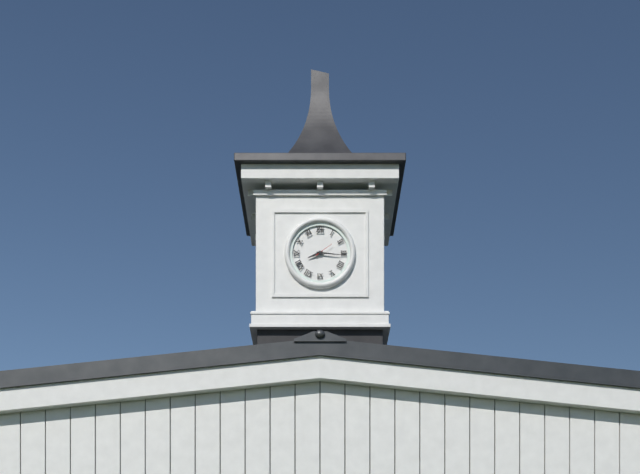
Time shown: 8:16
